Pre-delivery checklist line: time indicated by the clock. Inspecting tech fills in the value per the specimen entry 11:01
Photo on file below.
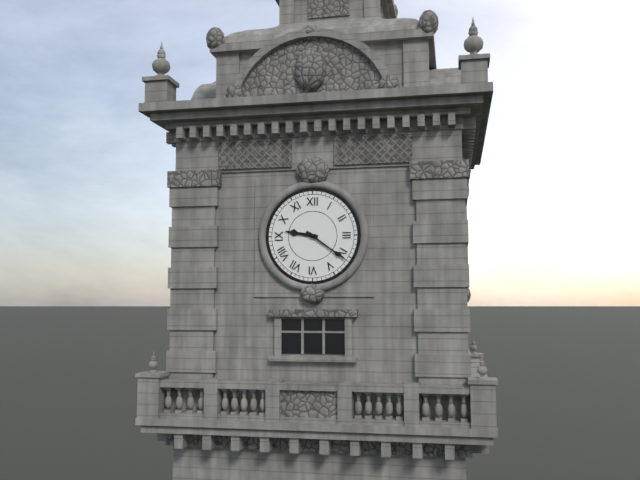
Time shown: 9:21
